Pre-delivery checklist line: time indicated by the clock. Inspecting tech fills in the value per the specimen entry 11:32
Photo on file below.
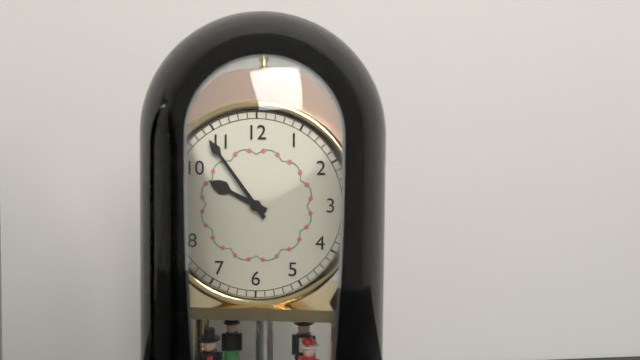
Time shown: 9:54
